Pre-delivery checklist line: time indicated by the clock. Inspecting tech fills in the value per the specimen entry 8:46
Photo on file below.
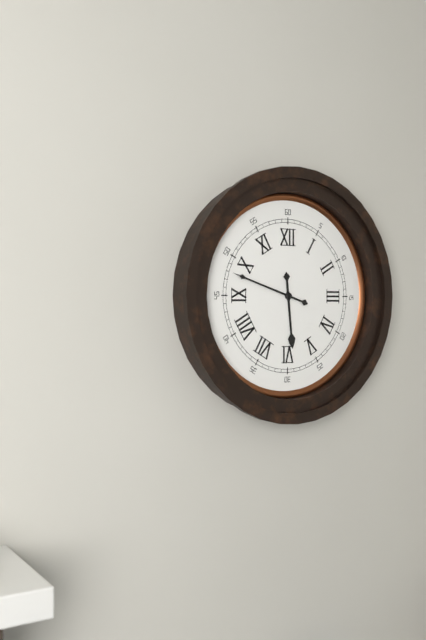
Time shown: 5:48
